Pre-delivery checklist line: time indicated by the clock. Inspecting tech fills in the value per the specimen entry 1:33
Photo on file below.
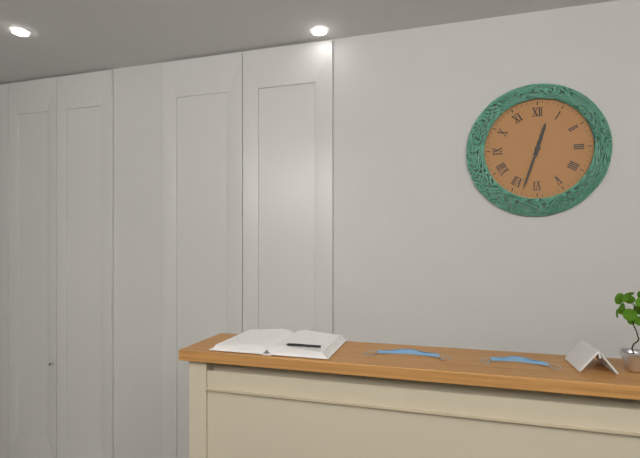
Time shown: 12:33
